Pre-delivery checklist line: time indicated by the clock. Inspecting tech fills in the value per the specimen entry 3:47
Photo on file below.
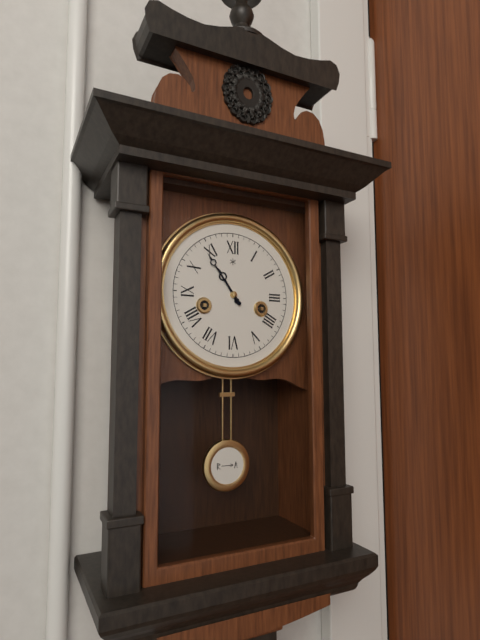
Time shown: 10:54
